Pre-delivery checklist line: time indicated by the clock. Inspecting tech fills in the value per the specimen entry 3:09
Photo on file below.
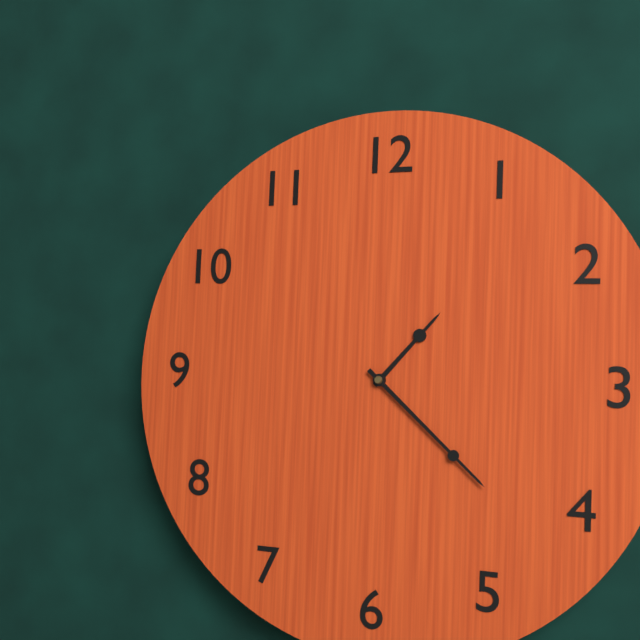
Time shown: 1:22
